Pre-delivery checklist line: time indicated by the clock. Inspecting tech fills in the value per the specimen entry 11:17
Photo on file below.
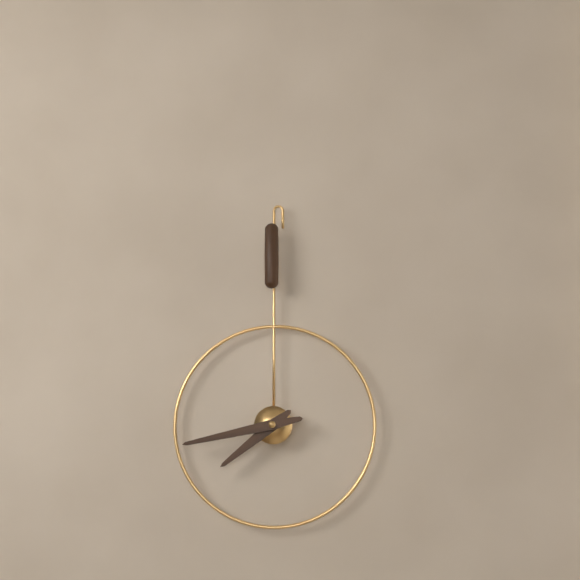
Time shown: 7:43
